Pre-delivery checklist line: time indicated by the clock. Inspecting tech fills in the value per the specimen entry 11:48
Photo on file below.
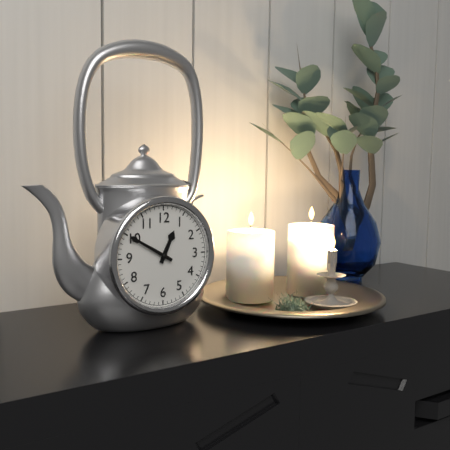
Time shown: 12:50
